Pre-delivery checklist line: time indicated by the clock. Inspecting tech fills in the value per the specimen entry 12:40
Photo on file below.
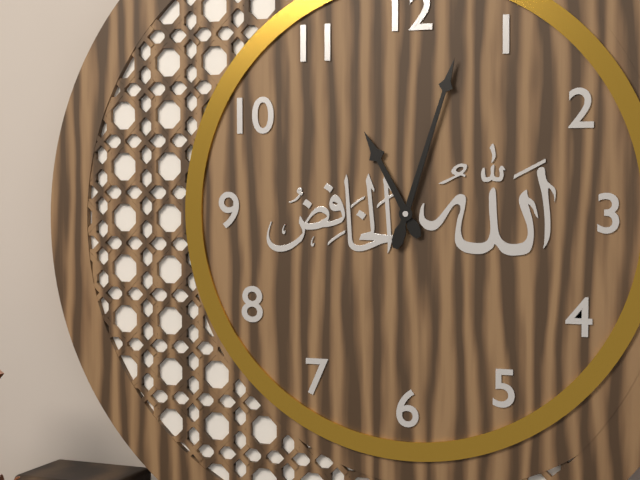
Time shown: 11:03
